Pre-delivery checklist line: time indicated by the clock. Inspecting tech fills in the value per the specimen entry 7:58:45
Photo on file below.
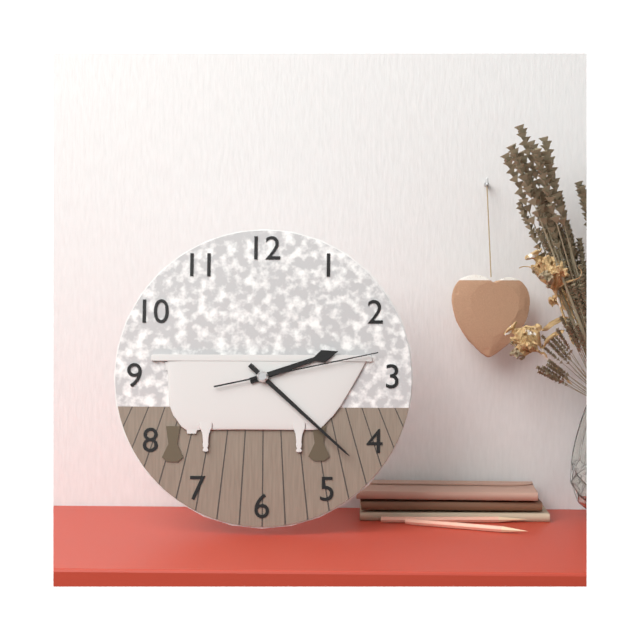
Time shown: 2:22:13
